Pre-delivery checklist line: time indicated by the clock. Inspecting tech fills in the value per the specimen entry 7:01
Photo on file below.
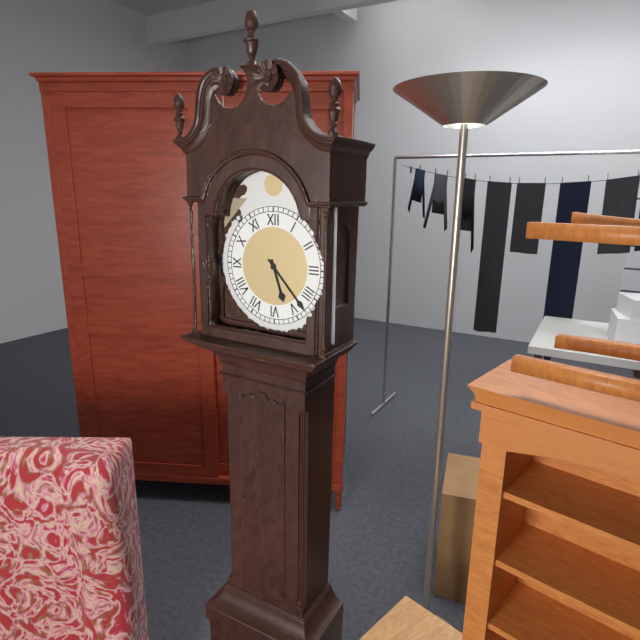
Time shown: 5:23
